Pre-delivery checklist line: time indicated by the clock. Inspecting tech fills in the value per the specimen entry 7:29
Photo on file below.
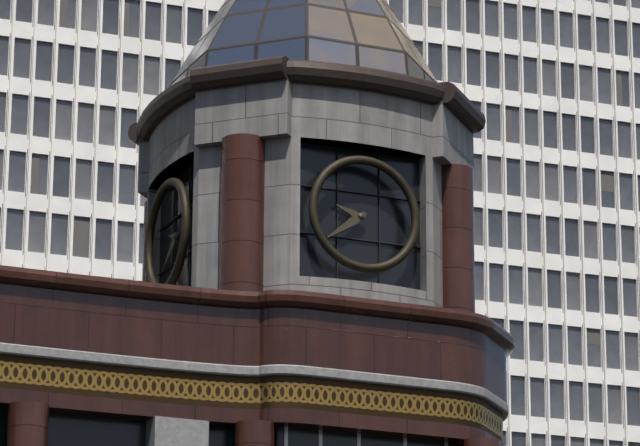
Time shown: 9:39
